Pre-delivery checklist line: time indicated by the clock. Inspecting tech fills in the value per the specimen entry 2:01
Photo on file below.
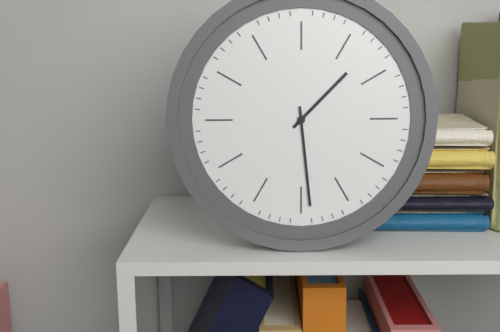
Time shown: 1:29
